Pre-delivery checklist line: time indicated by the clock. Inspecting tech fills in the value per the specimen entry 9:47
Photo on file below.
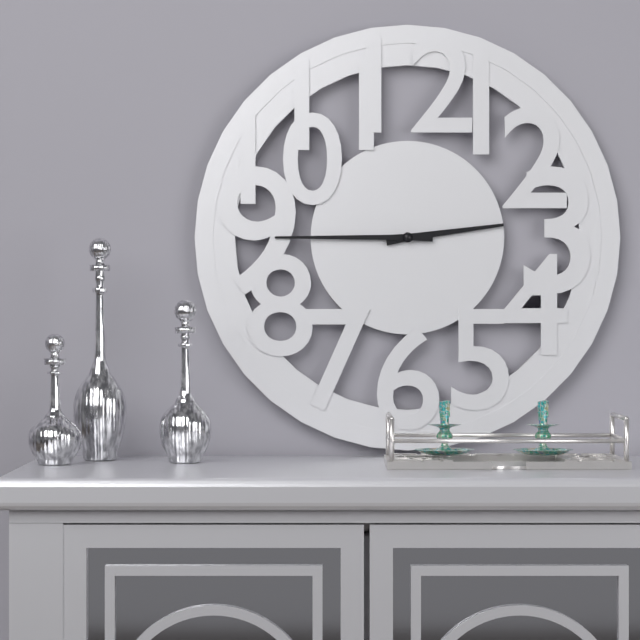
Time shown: 2:45
